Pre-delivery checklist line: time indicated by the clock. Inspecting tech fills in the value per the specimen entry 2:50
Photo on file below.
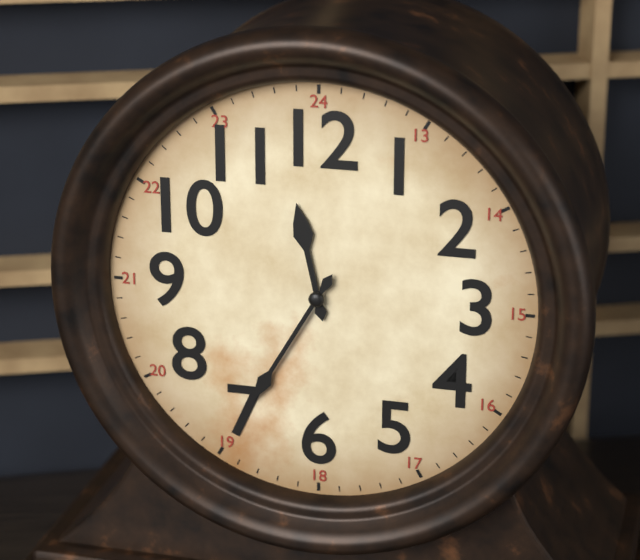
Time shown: 11:35
